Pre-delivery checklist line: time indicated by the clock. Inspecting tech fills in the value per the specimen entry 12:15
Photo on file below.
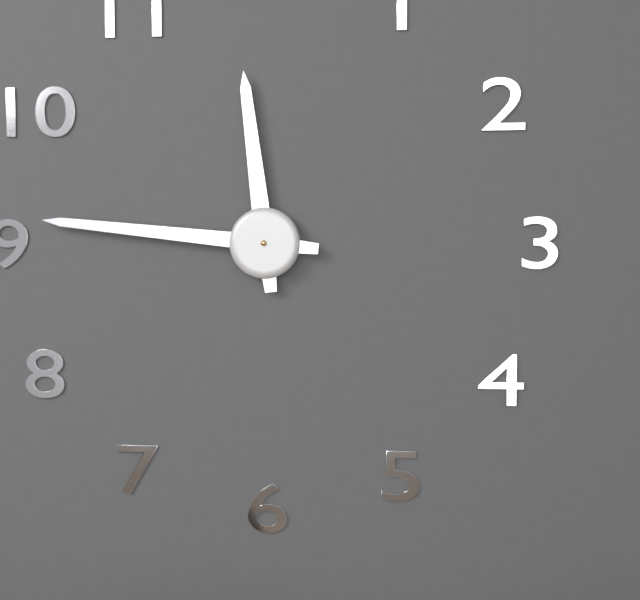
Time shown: 11:46
